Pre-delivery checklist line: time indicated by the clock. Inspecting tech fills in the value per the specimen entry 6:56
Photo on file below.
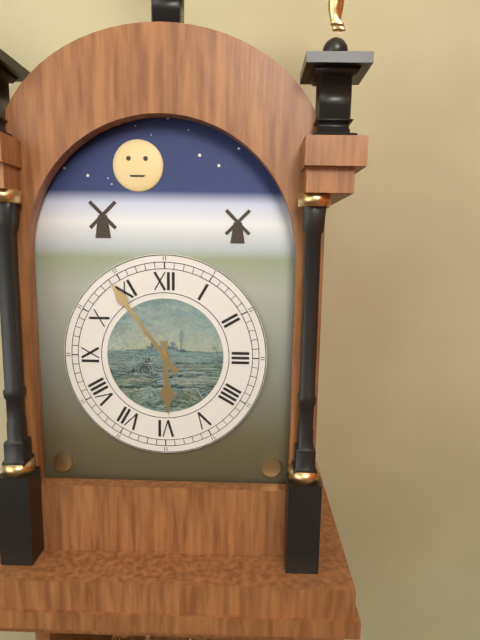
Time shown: 5:54
